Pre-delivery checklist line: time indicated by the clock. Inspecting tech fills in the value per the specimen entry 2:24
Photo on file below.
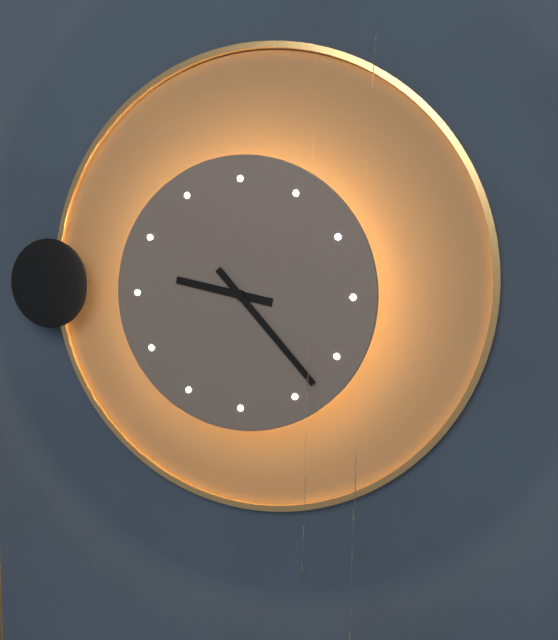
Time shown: 9:23
